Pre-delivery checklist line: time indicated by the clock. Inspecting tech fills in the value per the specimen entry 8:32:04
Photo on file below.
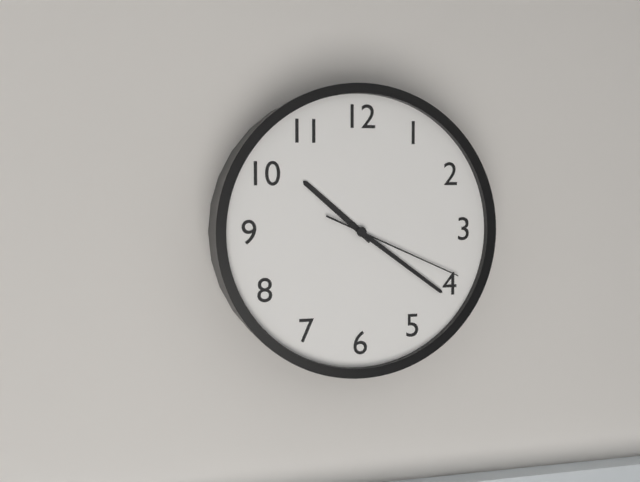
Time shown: 10:21:19
